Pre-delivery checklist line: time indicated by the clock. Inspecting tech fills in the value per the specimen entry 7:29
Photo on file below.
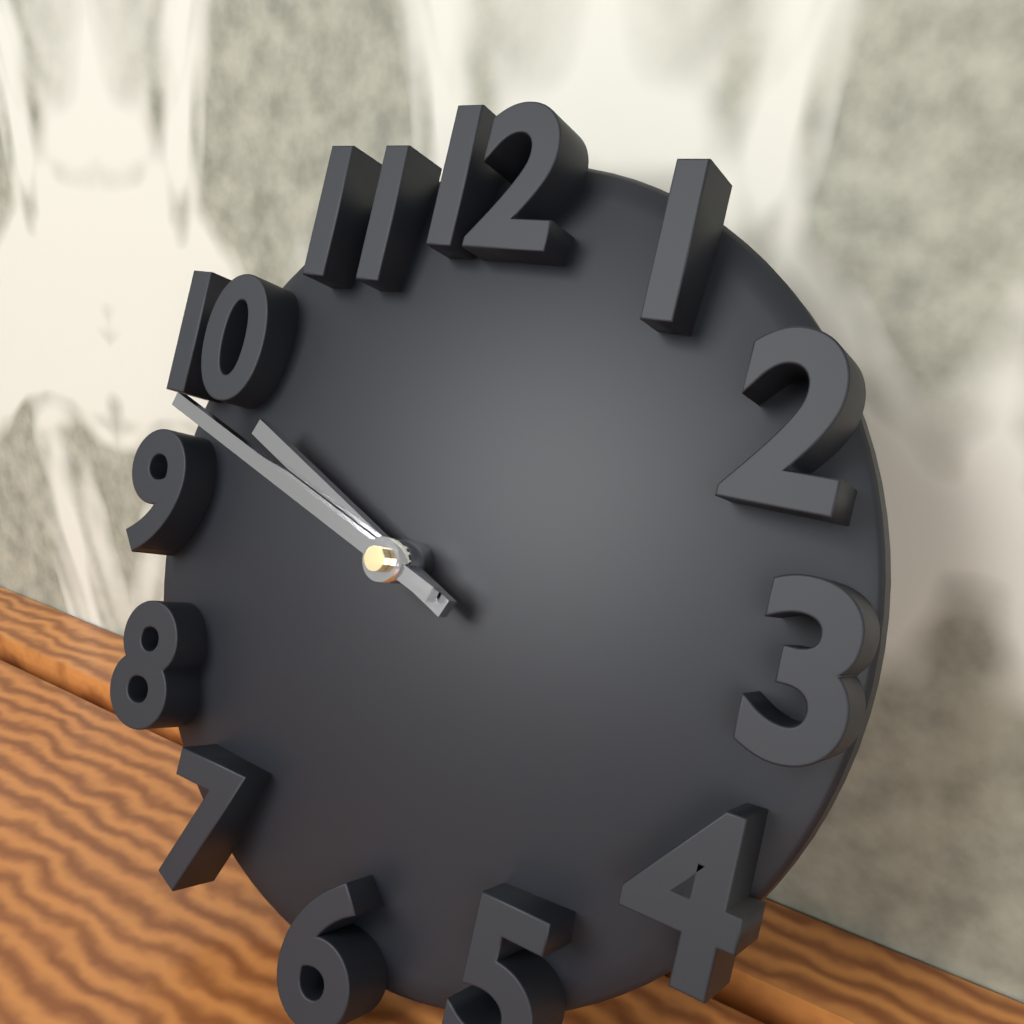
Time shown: 9:48
